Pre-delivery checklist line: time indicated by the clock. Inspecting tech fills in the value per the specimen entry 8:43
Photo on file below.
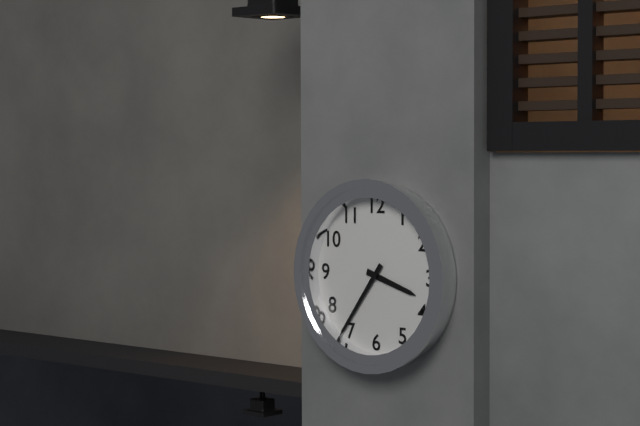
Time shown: 3:36
